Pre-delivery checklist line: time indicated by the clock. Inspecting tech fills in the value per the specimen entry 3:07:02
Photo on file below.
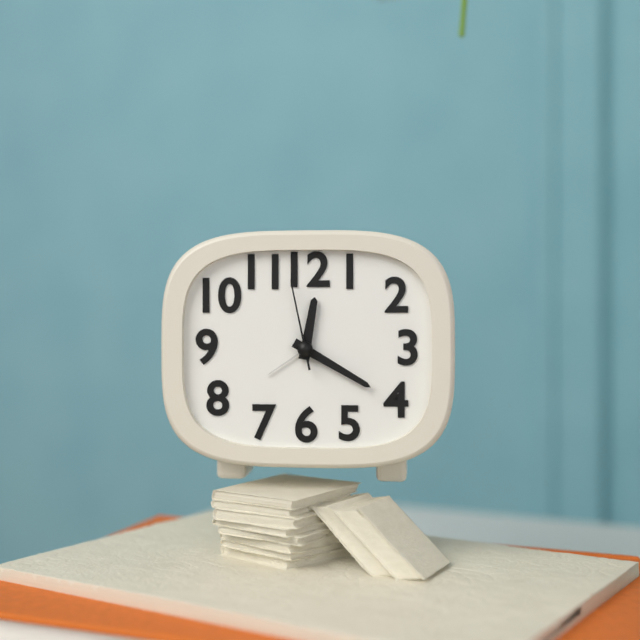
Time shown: 12:20:58
